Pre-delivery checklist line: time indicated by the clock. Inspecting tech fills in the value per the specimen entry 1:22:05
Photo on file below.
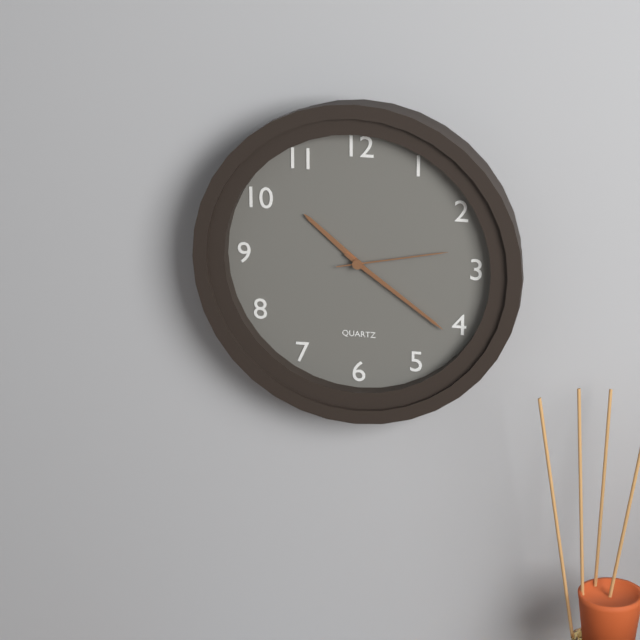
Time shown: 10:21:13
